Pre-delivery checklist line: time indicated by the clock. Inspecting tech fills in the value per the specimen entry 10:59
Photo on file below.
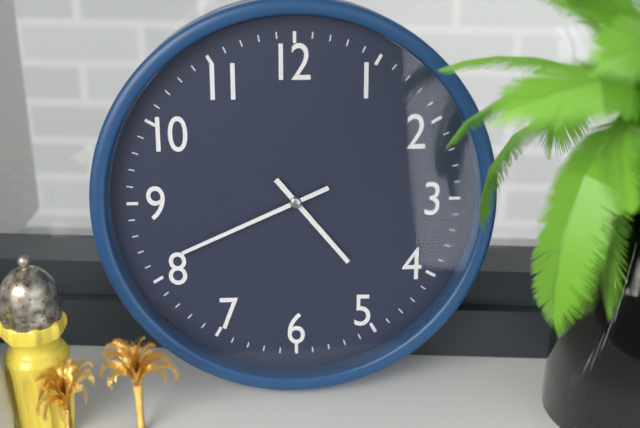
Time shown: 4:41
